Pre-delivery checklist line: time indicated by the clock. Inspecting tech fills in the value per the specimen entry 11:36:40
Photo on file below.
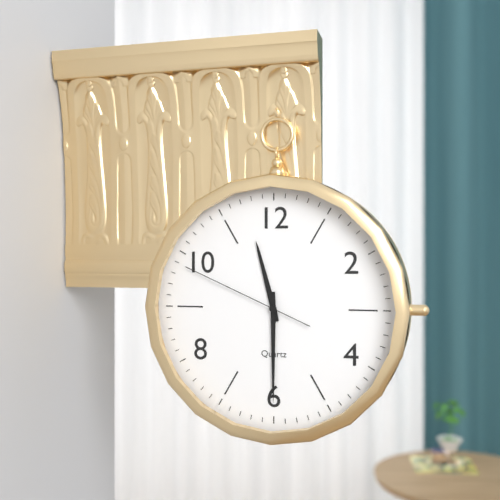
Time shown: 11:30:49
